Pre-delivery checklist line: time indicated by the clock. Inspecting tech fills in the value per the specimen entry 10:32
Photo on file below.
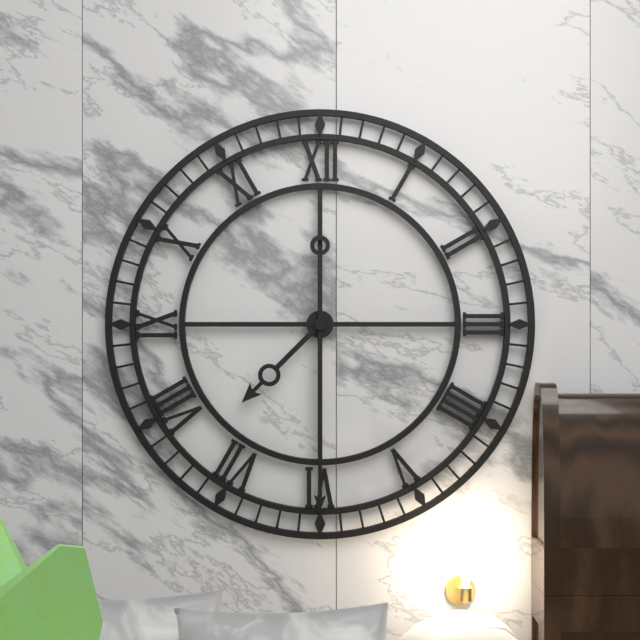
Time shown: 7:30
